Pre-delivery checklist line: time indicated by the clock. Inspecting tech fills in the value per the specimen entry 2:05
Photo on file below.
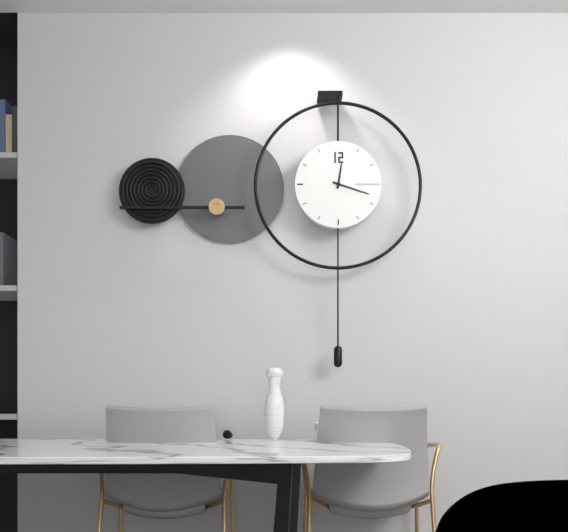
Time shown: 12:18
